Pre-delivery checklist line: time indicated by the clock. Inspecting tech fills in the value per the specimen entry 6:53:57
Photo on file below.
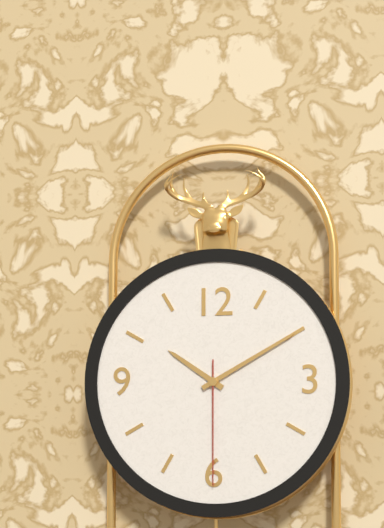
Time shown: 10:10:30
